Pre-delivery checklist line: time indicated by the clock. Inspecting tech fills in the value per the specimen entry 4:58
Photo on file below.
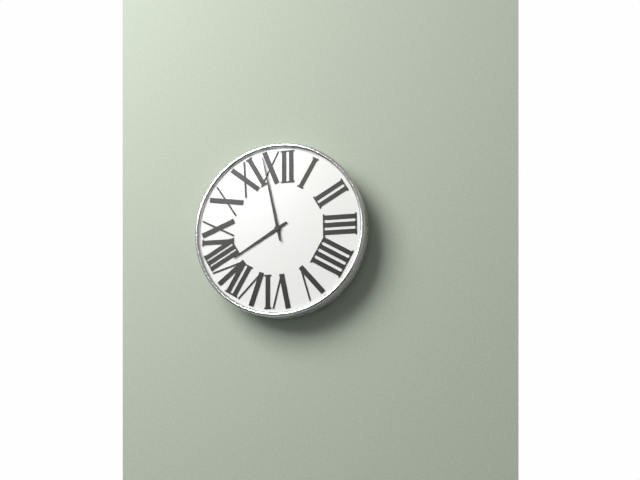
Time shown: 7:58
